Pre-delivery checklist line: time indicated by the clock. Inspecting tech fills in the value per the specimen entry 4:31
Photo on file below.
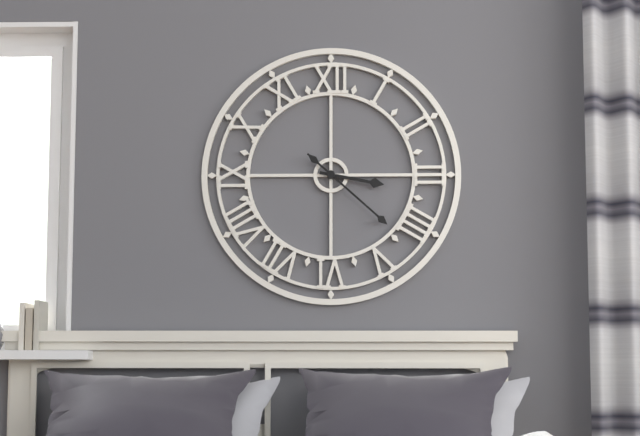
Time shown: 3:22
